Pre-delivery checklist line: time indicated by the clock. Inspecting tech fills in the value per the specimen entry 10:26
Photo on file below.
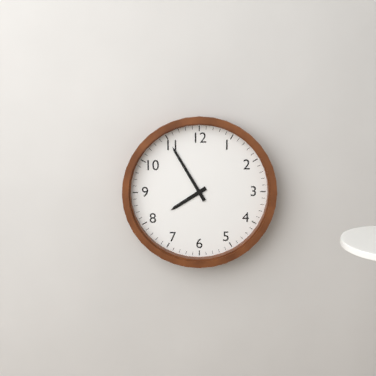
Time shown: 7:55
